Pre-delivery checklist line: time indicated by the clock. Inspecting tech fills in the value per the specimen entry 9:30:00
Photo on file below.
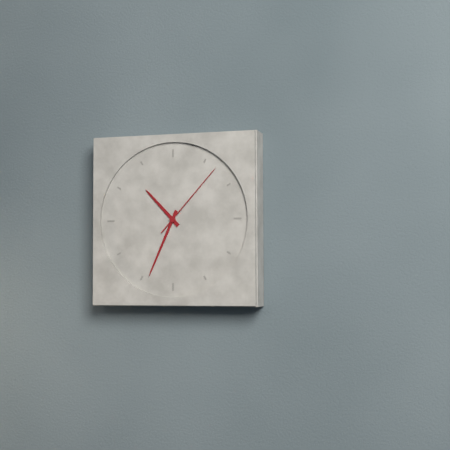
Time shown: 10:34:07
